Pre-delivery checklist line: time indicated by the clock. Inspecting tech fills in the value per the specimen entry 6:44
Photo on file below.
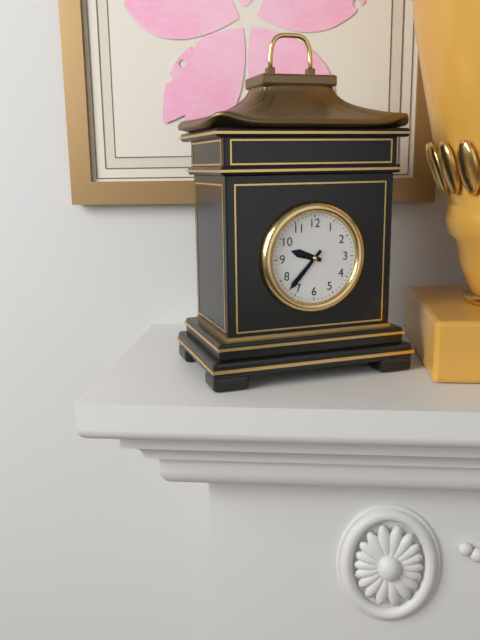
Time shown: 9:37
